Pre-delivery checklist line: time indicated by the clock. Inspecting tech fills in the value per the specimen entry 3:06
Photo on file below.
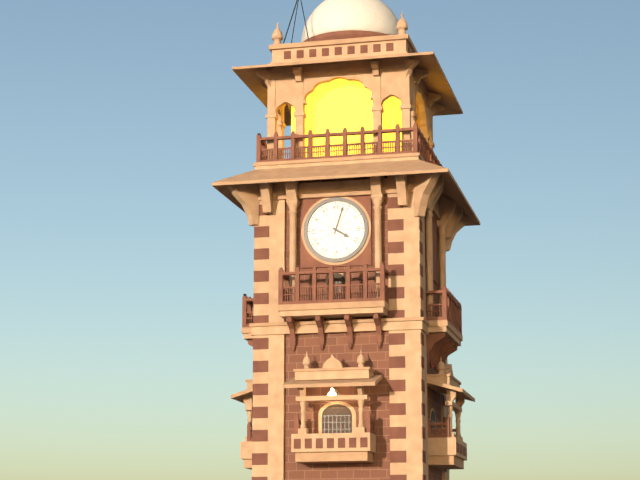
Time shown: 4:03
